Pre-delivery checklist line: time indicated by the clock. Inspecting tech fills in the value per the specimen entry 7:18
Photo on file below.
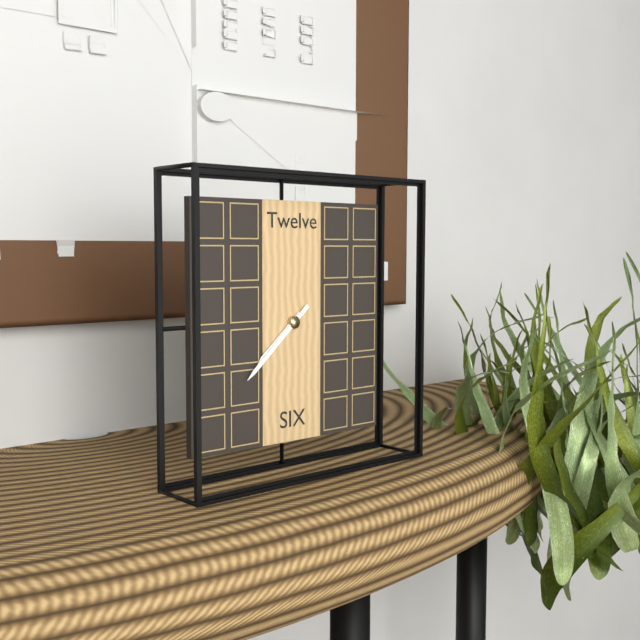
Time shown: 7:38
